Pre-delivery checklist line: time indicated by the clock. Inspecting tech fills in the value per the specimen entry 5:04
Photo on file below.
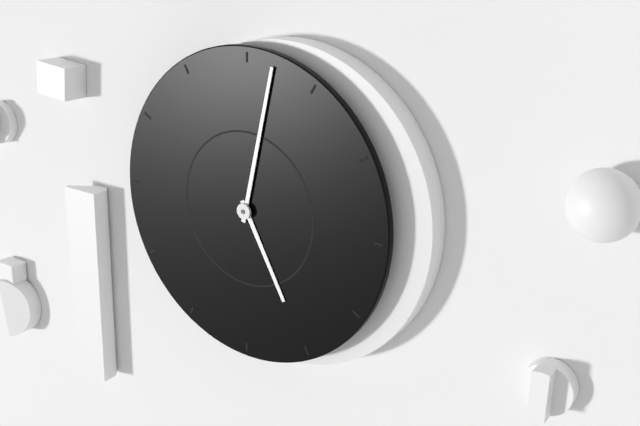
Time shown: 5:02
